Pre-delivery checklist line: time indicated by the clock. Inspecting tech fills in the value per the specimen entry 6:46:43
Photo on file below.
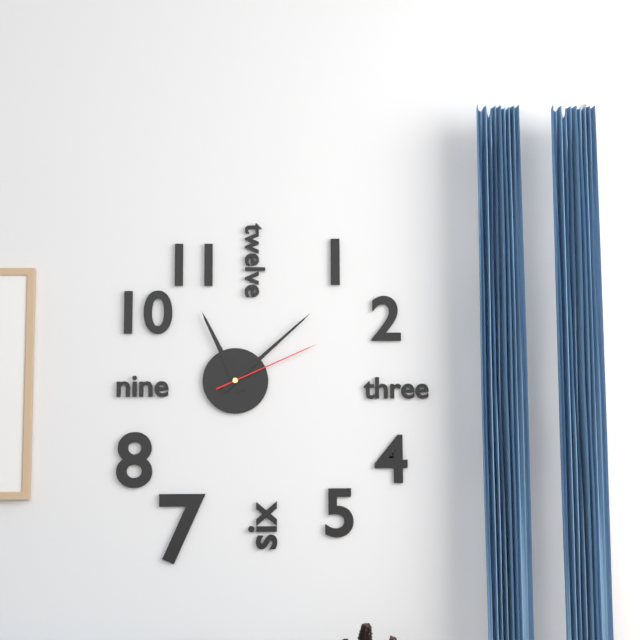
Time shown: 11:08:11
